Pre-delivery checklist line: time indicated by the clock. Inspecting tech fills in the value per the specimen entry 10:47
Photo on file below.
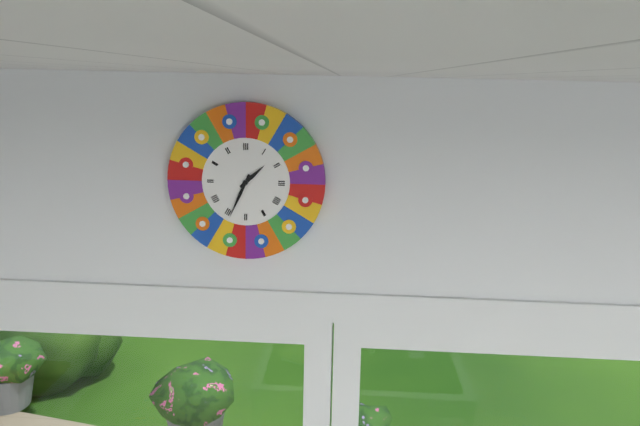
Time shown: 1:34
